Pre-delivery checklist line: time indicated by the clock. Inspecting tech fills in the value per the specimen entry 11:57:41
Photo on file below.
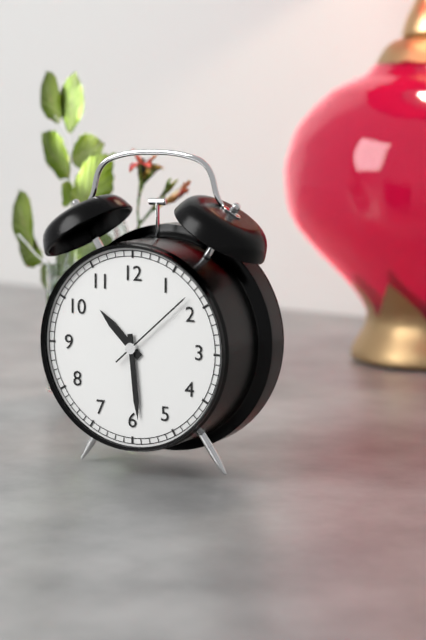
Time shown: 10:29:08
